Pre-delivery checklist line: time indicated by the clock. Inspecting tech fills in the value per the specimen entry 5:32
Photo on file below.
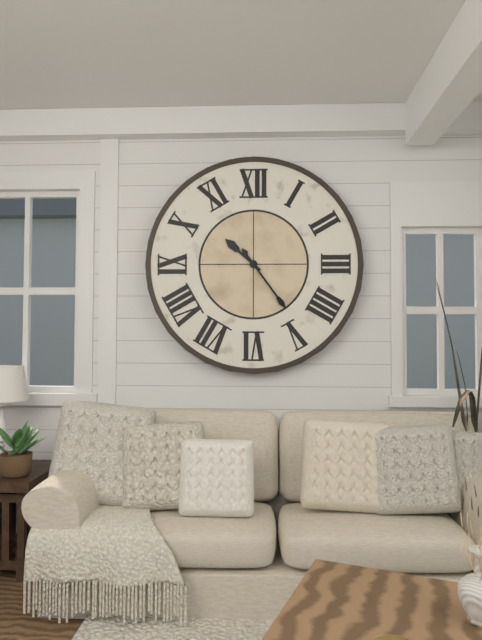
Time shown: 10:24
